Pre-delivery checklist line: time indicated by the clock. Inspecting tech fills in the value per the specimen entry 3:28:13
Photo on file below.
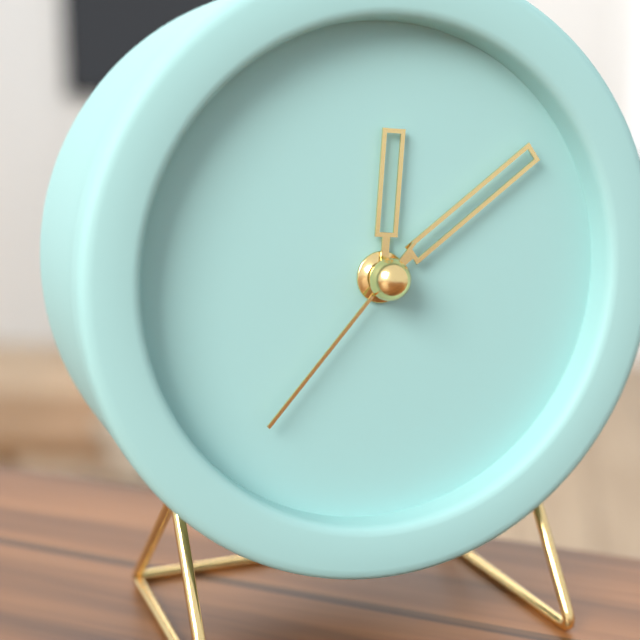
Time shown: 12:09:37
